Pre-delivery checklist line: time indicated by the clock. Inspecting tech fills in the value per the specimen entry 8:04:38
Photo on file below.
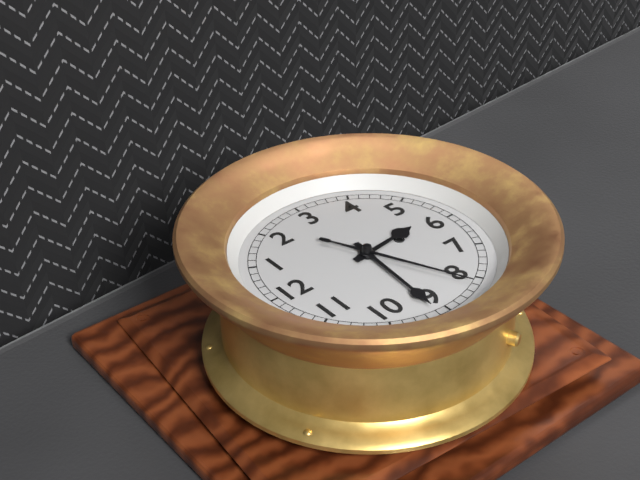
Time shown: 5:46:41
